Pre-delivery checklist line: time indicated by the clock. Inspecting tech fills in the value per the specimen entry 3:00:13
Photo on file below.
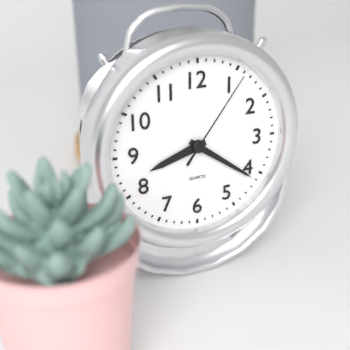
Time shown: 8:21:06
